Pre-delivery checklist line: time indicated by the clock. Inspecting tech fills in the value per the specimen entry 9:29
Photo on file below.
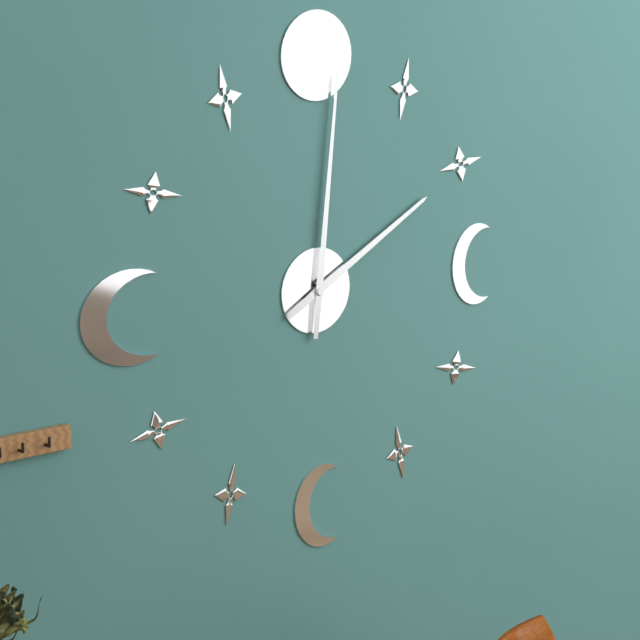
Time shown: 2:01
